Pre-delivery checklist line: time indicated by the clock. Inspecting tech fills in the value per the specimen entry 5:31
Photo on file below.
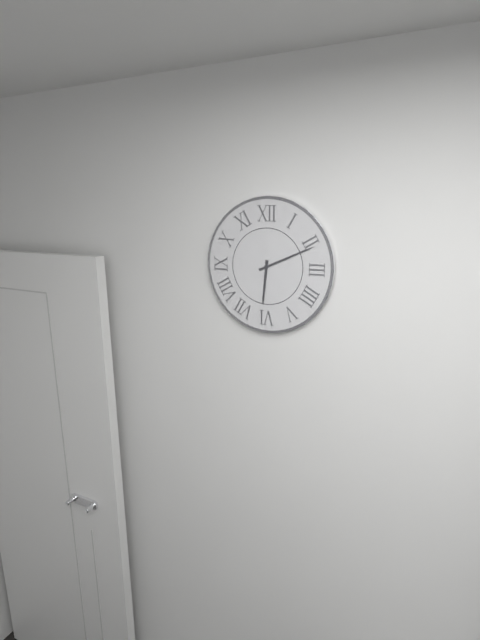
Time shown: 6:11
